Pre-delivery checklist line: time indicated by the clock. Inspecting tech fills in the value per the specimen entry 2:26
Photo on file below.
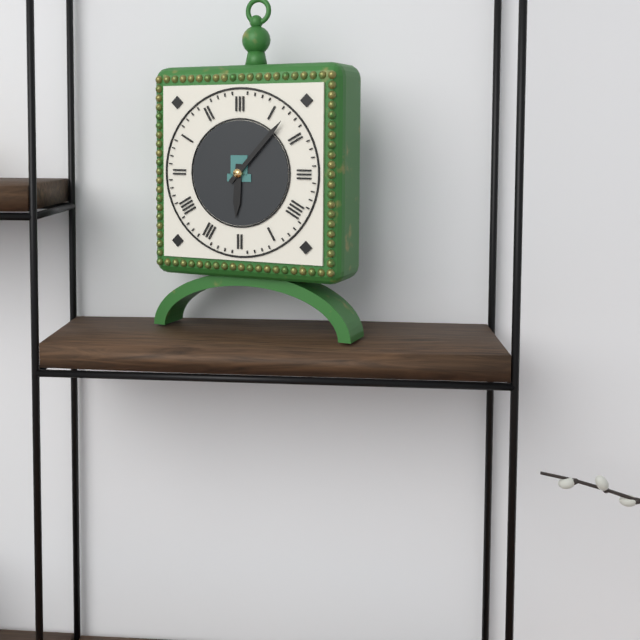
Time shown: 6:07
